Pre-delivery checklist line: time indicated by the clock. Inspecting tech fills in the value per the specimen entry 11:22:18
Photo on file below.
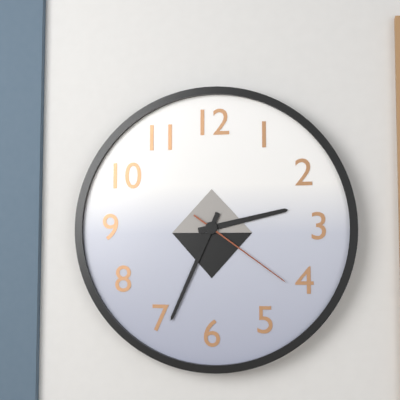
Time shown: 2:34:21
